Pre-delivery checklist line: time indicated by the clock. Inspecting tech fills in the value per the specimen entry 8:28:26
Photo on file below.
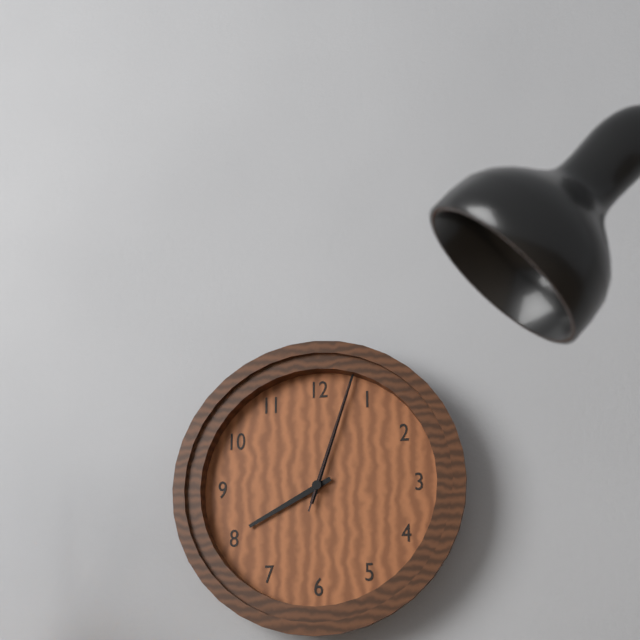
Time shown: 8:03:03
